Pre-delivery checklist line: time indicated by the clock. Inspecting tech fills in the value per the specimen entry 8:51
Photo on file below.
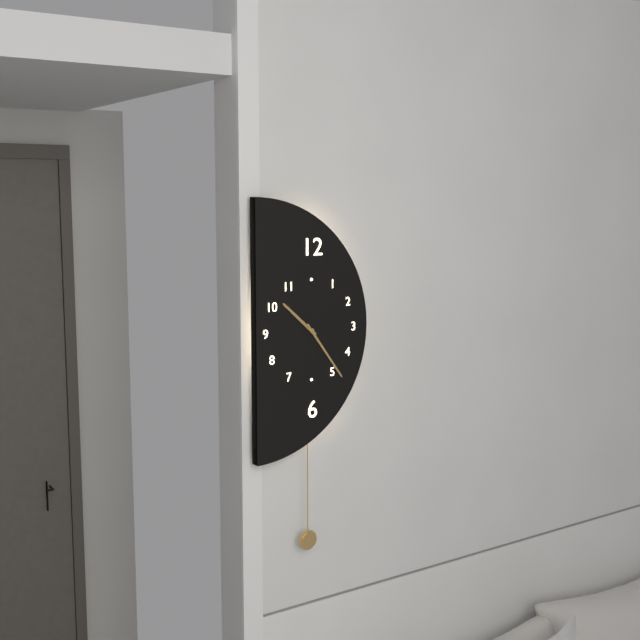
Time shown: 10:24
